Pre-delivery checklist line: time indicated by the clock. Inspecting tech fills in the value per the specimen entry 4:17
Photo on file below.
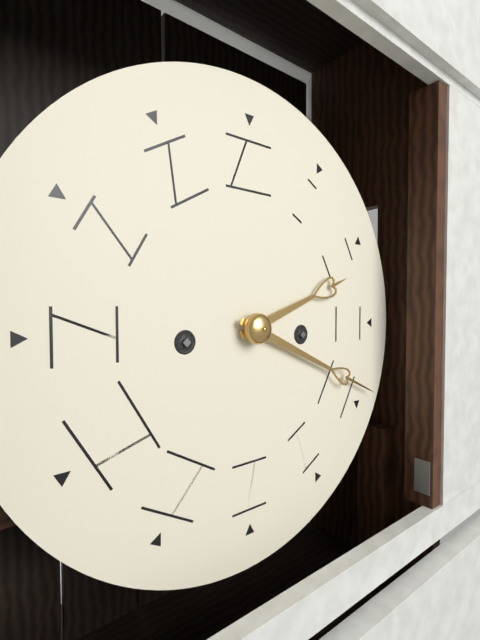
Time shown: 2:19
